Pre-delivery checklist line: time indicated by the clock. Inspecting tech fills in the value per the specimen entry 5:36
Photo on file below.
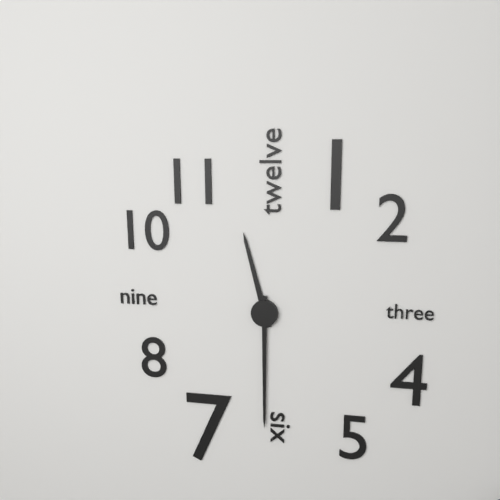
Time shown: 11:30
